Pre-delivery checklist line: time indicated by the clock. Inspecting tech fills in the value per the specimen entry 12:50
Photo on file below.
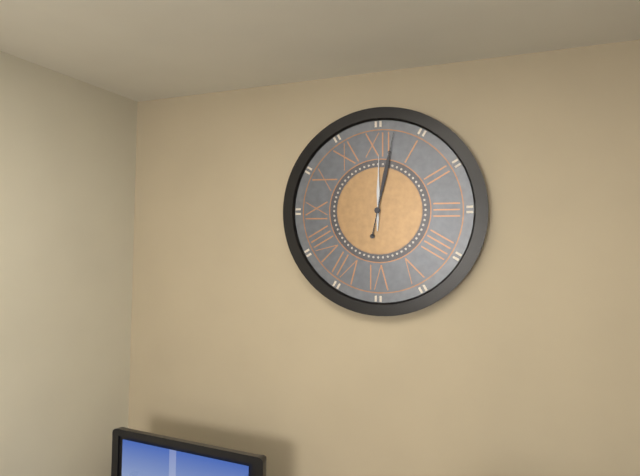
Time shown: 12:02
